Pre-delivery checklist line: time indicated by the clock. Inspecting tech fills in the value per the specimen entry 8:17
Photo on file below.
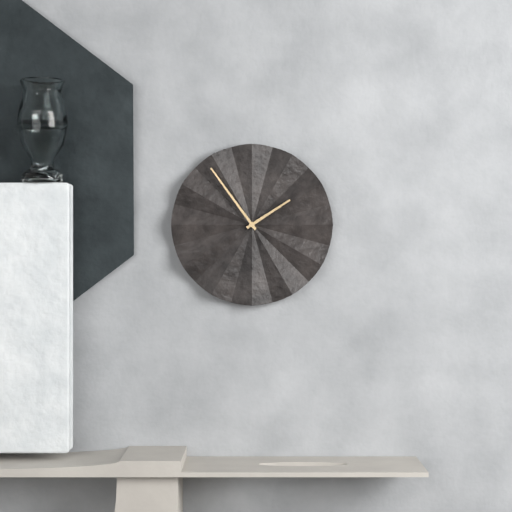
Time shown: 1:54
